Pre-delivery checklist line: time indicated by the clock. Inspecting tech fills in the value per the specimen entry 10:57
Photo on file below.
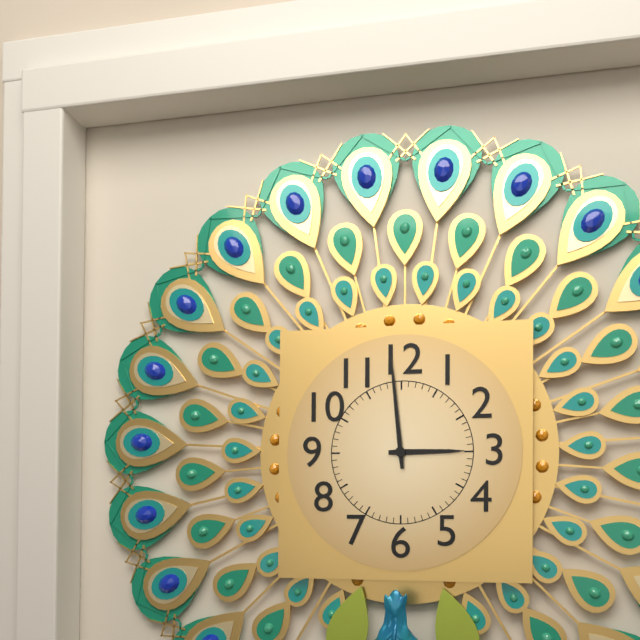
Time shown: 2:59
